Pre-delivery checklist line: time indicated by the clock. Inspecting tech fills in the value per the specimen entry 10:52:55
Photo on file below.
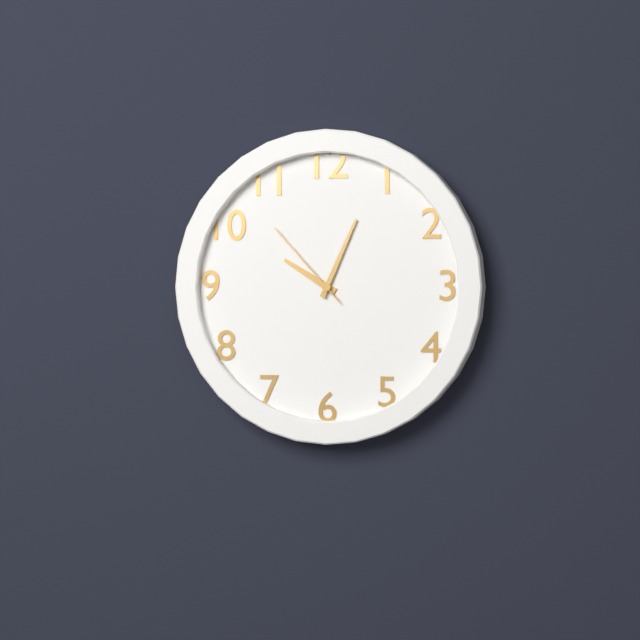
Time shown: 10:04:53
